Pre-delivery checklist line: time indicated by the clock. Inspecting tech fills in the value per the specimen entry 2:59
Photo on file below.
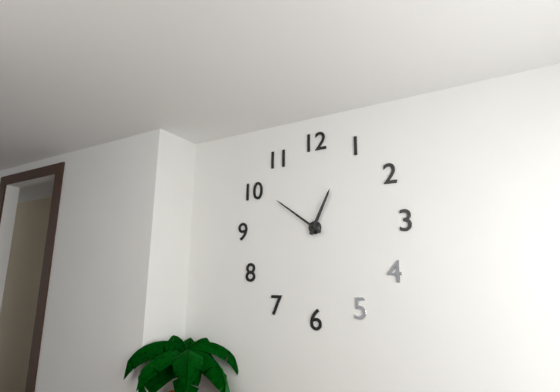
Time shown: 12:51
